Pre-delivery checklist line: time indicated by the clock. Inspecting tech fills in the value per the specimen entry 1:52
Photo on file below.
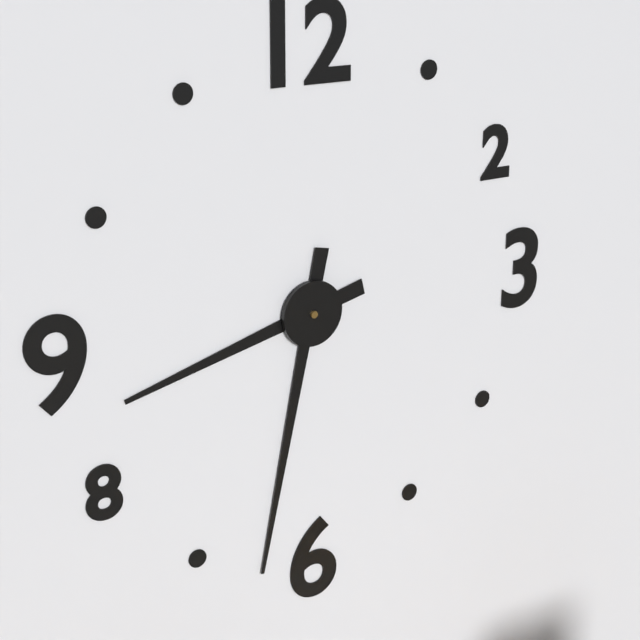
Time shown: 8:32
